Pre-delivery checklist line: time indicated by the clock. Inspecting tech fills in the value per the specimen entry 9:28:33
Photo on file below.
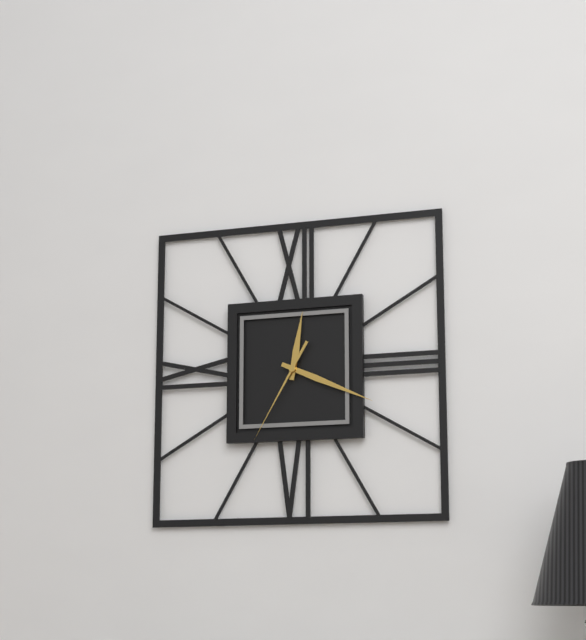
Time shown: 12:19:35
